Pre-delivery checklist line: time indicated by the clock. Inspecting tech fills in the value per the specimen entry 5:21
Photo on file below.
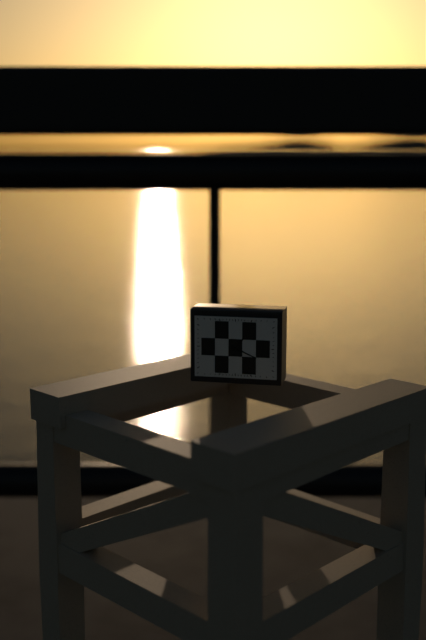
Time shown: 1:19
